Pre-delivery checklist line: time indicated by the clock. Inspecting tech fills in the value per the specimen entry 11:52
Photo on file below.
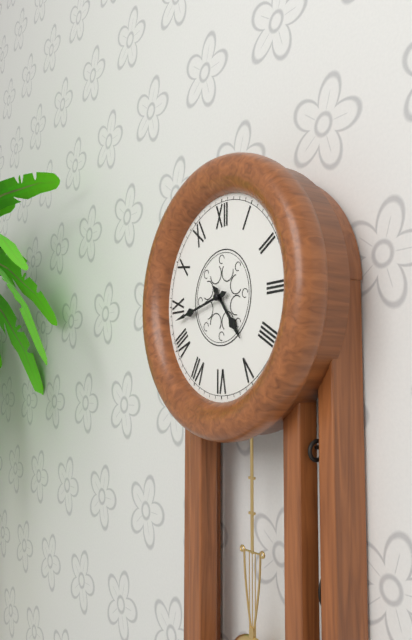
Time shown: 4:43
